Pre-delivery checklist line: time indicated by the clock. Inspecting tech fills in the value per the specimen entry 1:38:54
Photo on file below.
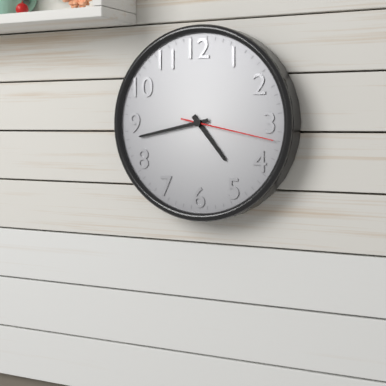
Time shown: 4:43:17
